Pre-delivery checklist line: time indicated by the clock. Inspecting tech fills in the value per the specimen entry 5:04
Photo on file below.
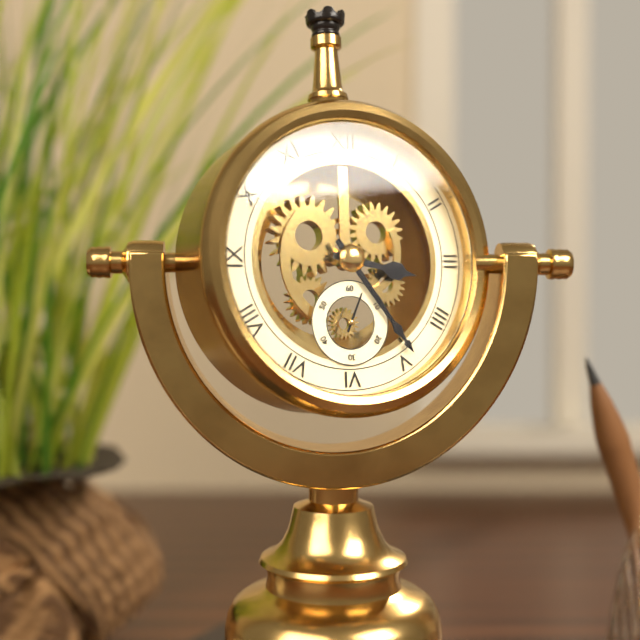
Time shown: 3:24
